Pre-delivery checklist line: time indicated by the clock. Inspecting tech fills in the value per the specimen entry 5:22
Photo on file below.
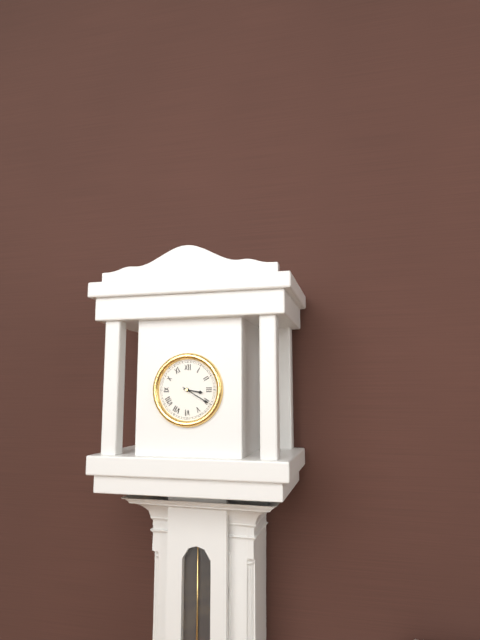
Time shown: 3:20
